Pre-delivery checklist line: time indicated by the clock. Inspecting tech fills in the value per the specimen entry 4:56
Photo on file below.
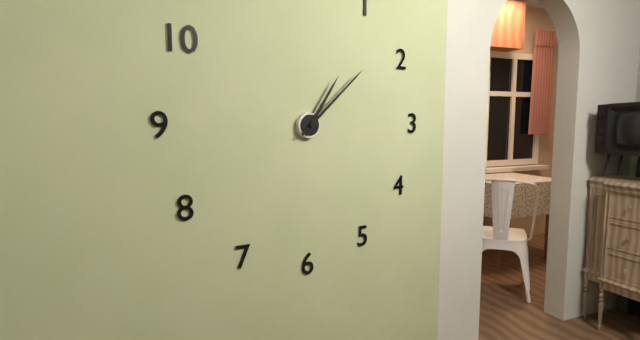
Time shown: 1:08
